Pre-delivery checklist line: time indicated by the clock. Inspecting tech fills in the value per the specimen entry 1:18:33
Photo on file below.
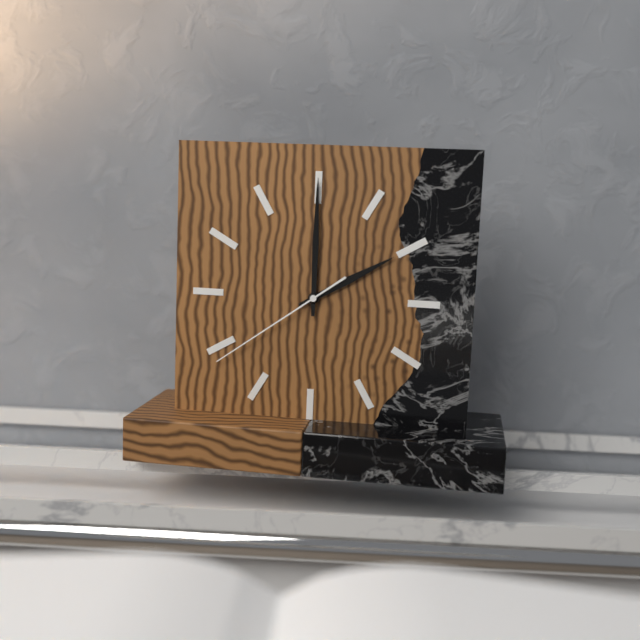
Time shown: 2:00:39
